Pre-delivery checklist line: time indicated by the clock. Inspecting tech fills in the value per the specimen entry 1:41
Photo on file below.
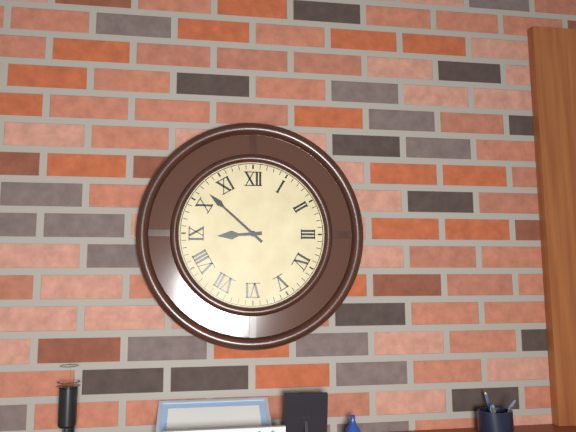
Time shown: 8:52
